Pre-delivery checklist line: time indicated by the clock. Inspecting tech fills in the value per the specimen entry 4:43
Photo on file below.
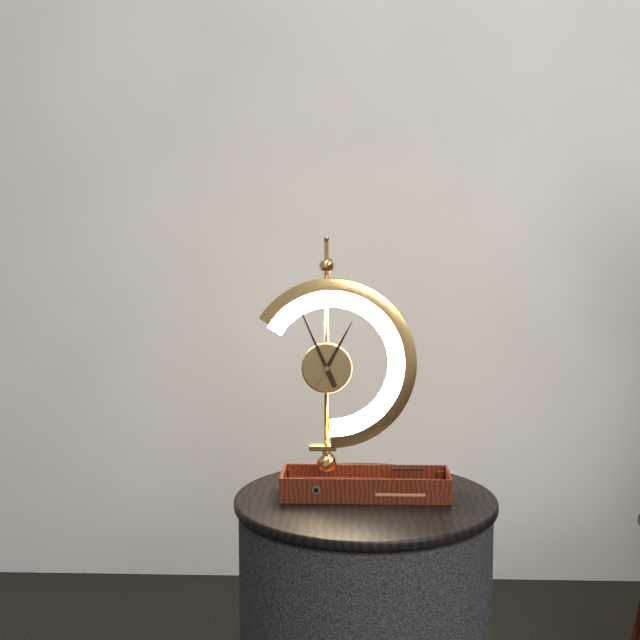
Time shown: 12:56
